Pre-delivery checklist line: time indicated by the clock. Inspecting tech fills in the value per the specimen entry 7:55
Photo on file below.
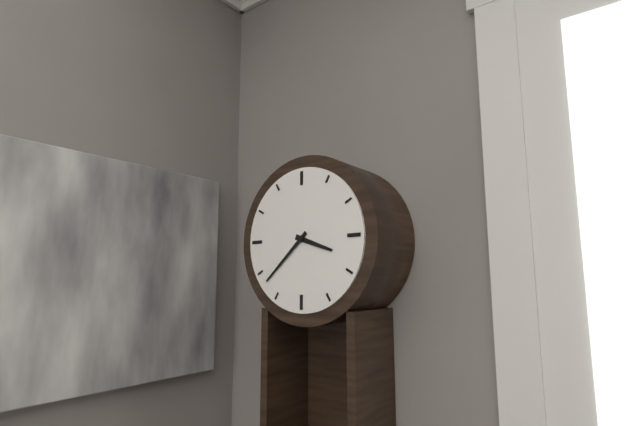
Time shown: 3:38
